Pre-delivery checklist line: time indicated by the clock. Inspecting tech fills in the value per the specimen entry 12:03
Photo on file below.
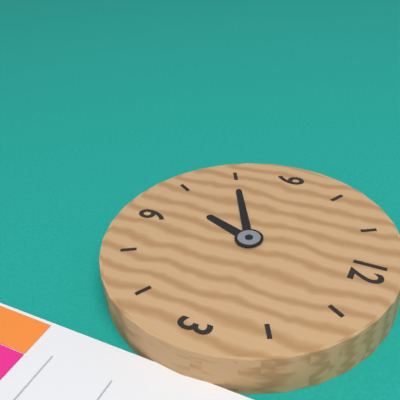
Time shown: 6:40
